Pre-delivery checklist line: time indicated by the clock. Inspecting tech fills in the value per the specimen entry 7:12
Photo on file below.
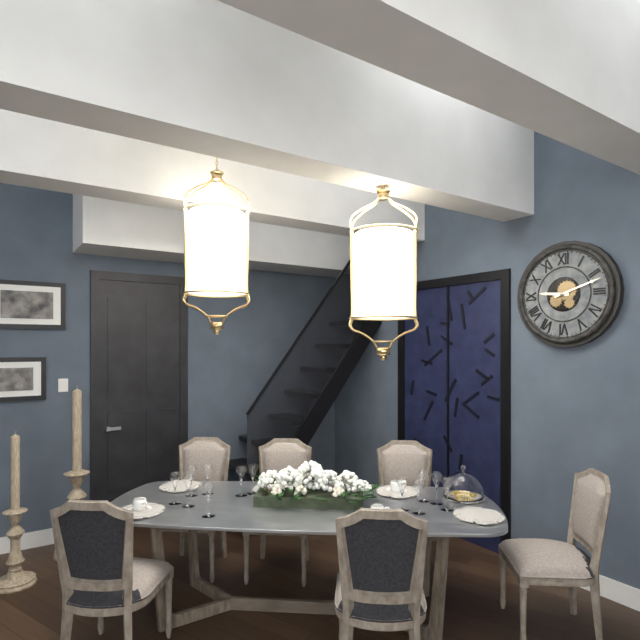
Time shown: 9:12
